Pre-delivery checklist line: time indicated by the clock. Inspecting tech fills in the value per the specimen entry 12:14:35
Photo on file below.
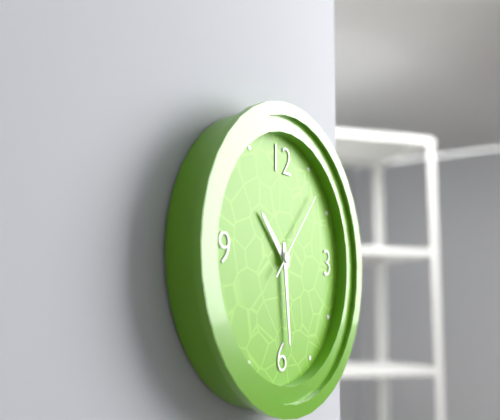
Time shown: 10:29:07
